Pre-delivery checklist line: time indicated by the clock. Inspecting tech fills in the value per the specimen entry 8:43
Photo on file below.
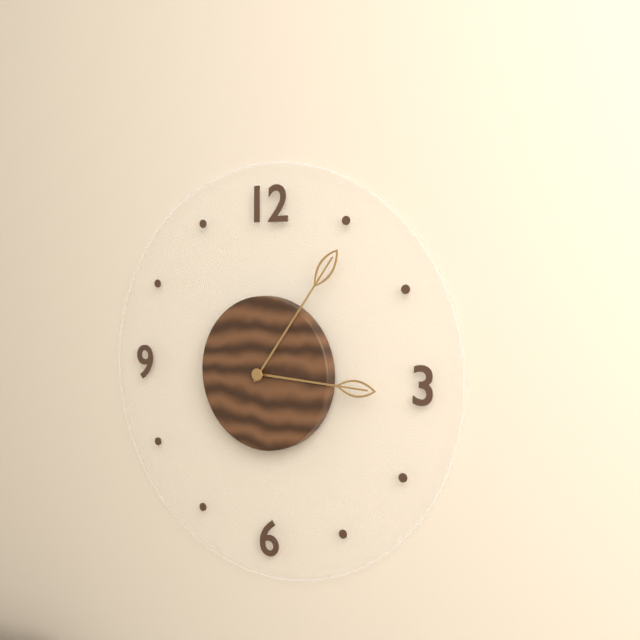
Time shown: 3:06
